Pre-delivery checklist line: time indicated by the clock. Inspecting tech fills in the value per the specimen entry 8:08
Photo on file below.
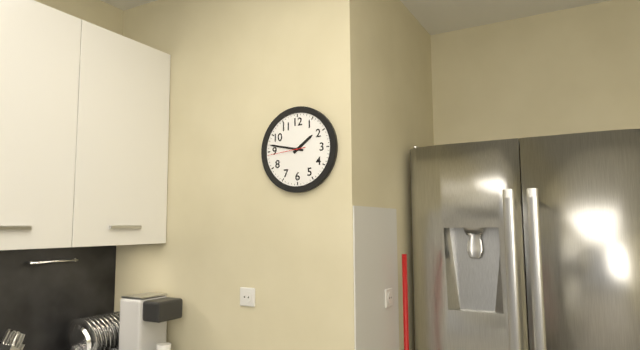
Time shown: 1:47
